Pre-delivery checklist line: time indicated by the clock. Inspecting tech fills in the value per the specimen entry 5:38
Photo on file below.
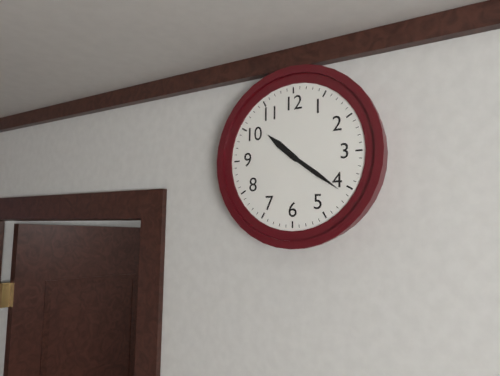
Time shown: 10:21
